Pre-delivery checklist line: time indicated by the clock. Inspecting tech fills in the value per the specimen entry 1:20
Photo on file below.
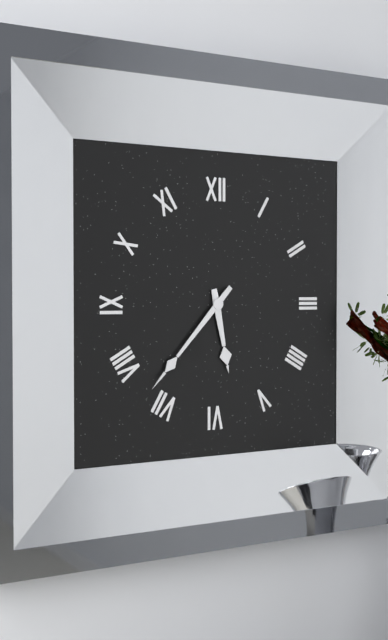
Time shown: 5:37
